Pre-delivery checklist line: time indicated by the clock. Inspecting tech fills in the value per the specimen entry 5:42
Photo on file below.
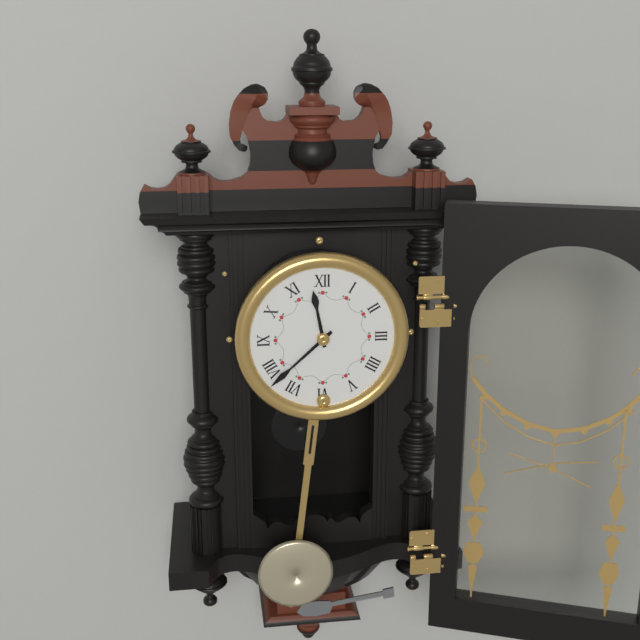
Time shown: 11:38
